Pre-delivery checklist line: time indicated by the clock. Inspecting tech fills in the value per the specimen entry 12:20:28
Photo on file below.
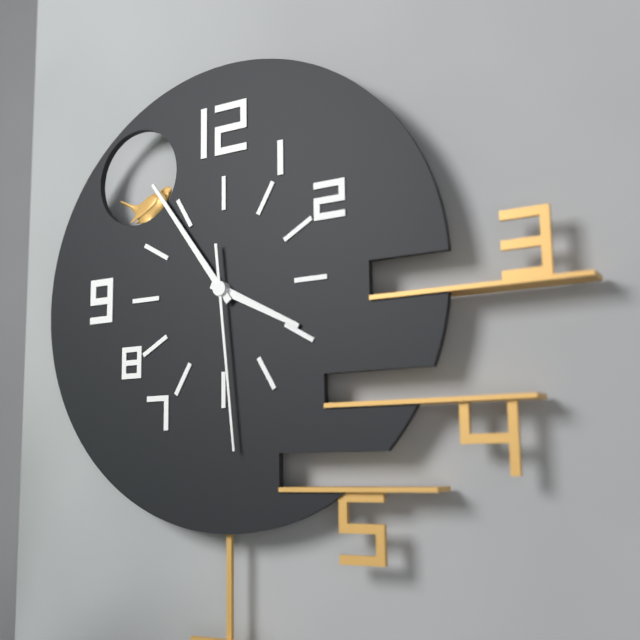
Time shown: 3:54:29
